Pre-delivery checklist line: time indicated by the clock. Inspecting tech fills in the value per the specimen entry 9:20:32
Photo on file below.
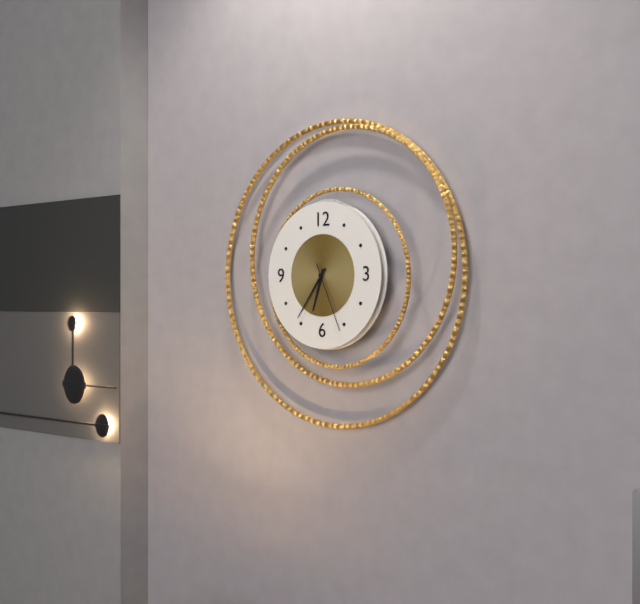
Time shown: 6:36:26
